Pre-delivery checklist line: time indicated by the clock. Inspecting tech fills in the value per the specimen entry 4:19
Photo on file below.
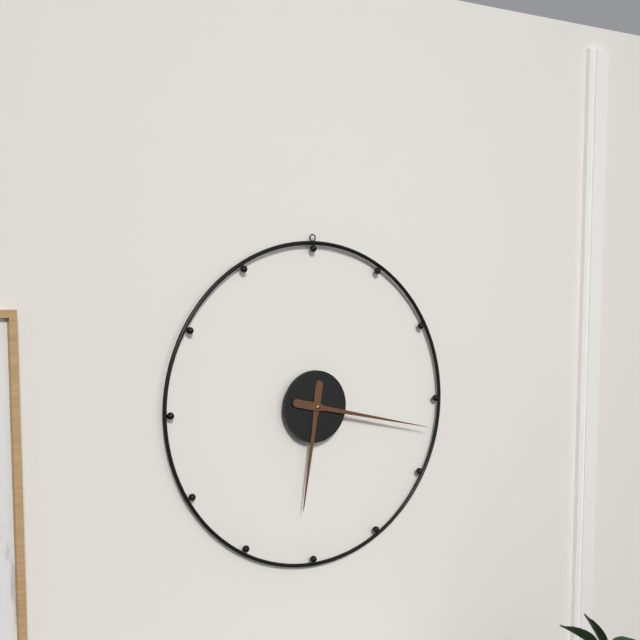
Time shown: 6:17
